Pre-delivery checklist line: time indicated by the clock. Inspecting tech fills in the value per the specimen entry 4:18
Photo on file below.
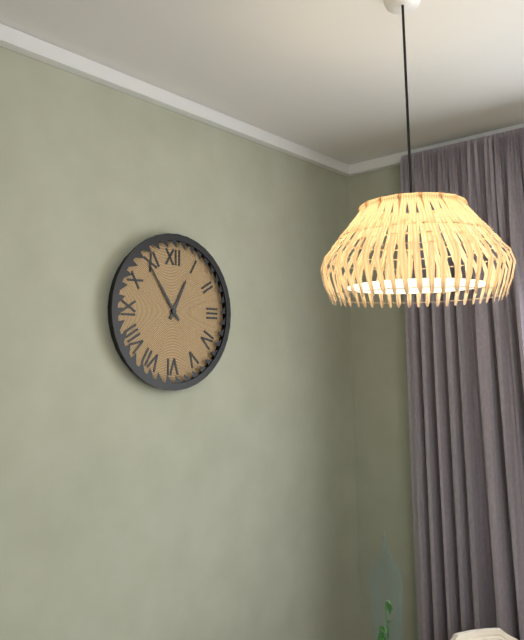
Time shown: 12:54
